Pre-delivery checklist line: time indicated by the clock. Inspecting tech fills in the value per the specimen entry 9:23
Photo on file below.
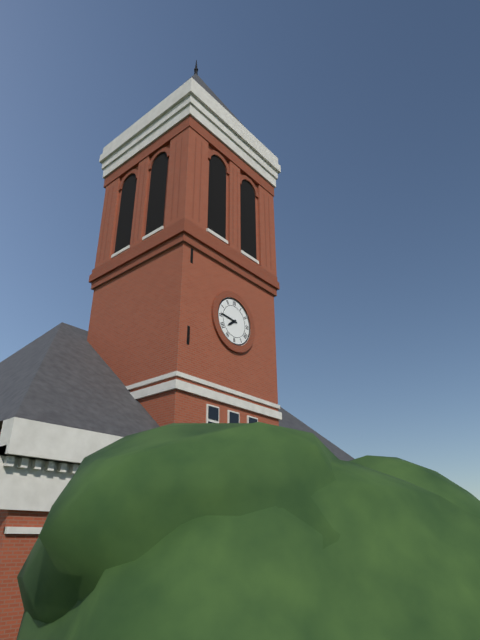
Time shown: 7:46
